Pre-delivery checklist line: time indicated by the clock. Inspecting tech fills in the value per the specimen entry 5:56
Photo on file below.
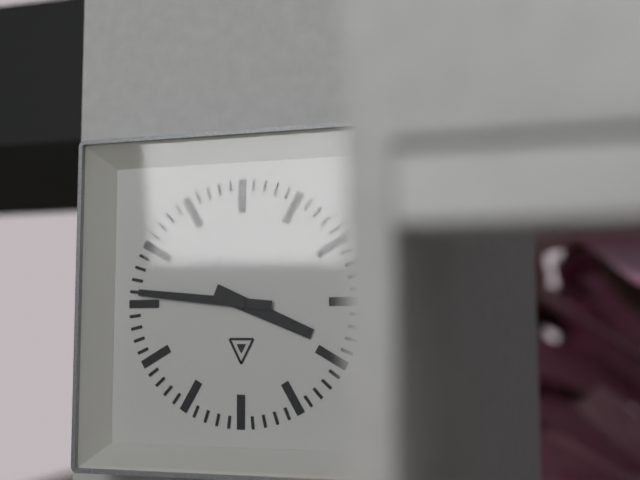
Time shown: 3:46
